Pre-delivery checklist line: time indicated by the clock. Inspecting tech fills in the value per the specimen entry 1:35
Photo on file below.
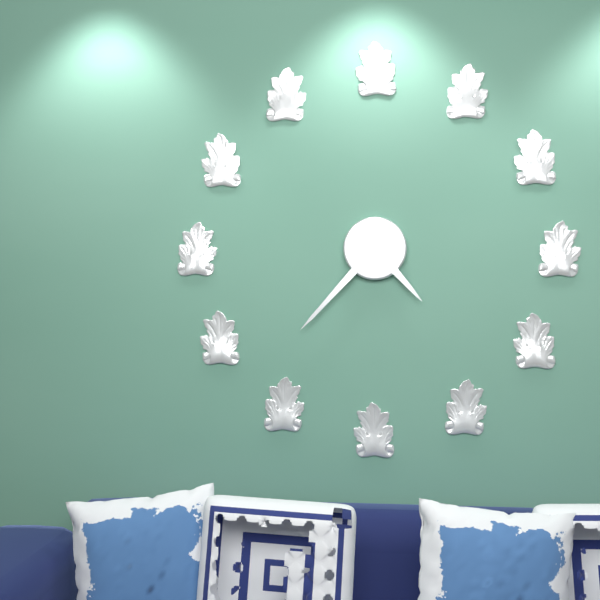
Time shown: 4:37
